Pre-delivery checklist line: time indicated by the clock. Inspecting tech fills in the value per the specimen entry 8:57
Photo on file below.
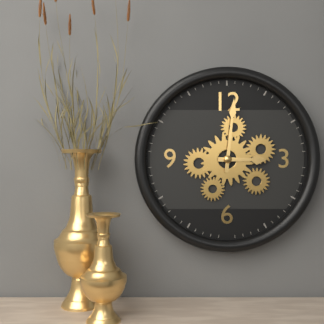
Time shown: 3:01
